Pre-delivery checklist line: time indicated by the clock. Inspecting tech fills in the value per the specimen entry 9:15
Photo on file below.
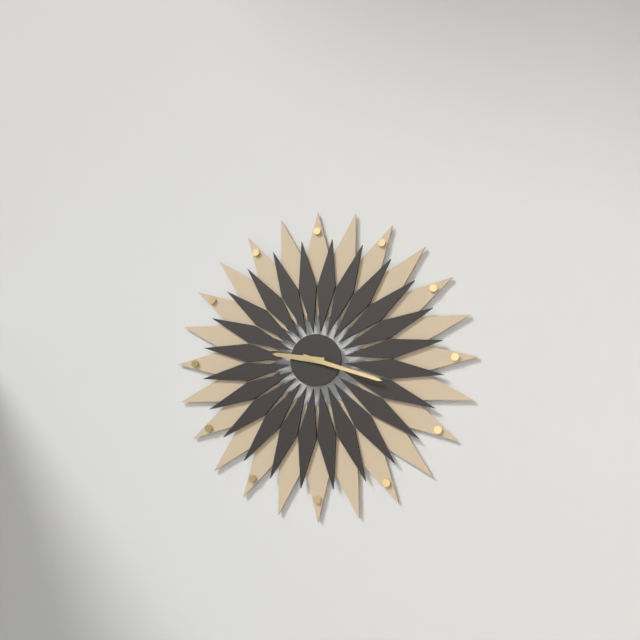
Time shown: 9:18
